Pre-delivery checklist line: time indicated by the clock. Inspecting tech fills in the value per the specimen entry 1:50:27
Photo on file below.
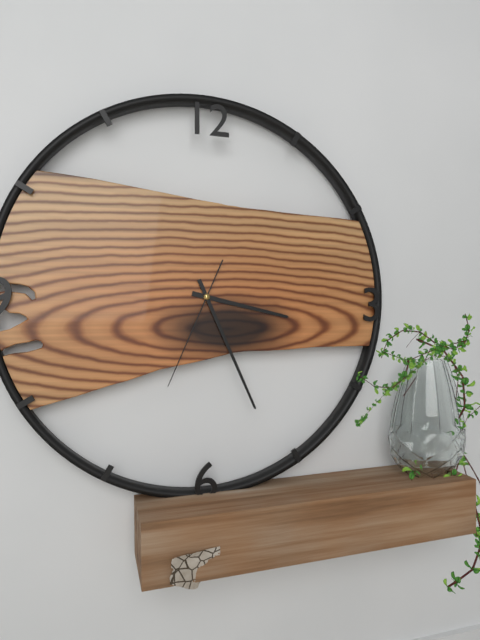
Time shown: 3:26:34
